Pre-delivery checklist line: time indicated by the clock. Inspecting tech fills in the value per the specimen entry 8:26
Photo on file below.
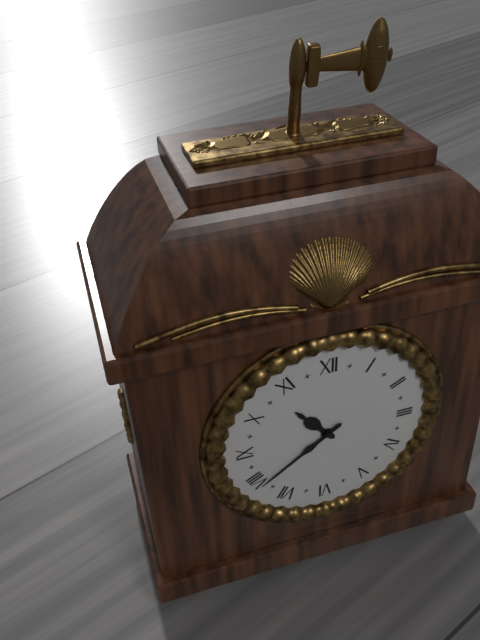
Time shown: 10:39
